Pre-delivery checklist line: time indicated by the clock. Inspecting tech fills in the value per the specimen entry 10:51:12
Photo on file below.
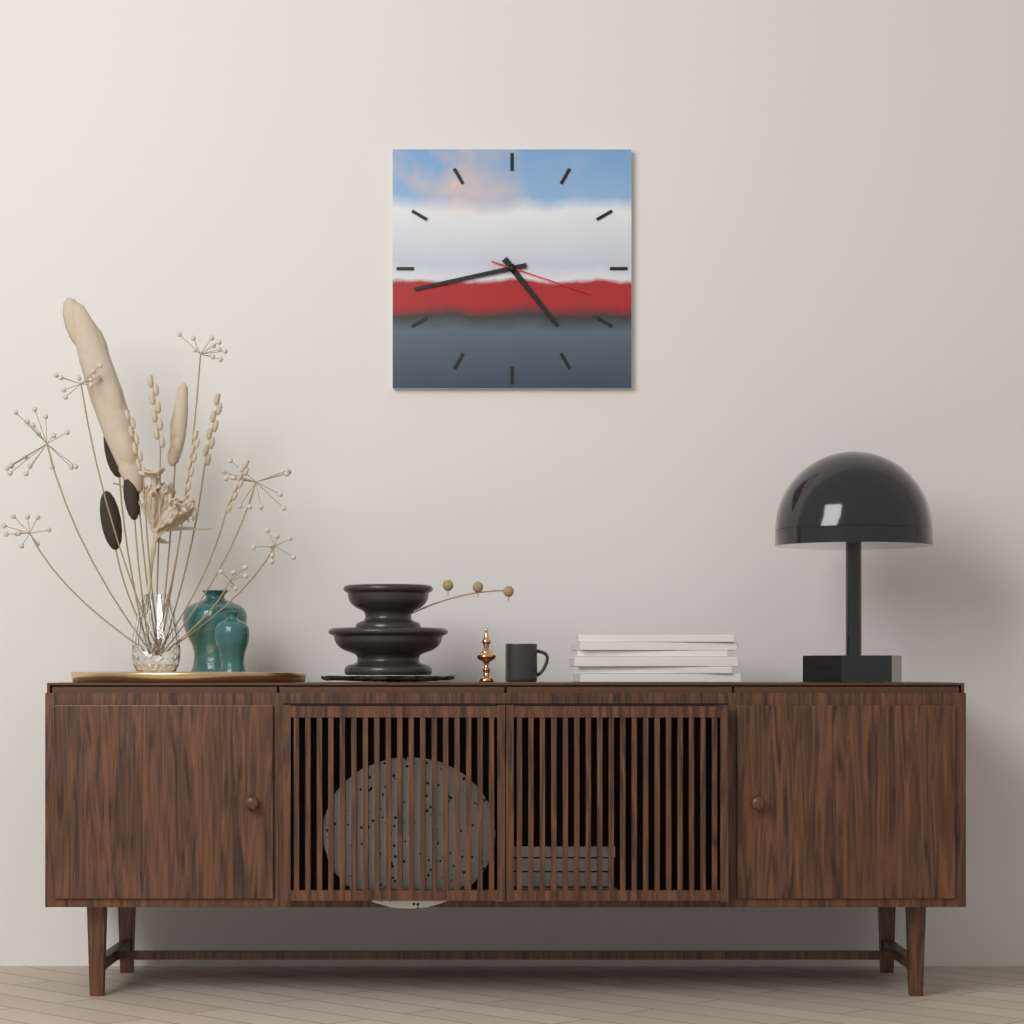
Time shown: 4:43:18
